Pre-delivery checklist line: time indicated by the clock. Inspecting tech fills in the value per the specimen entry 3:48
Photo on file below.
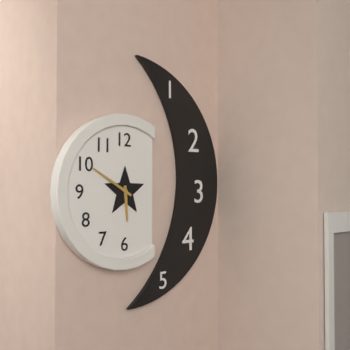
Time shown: 5:50
